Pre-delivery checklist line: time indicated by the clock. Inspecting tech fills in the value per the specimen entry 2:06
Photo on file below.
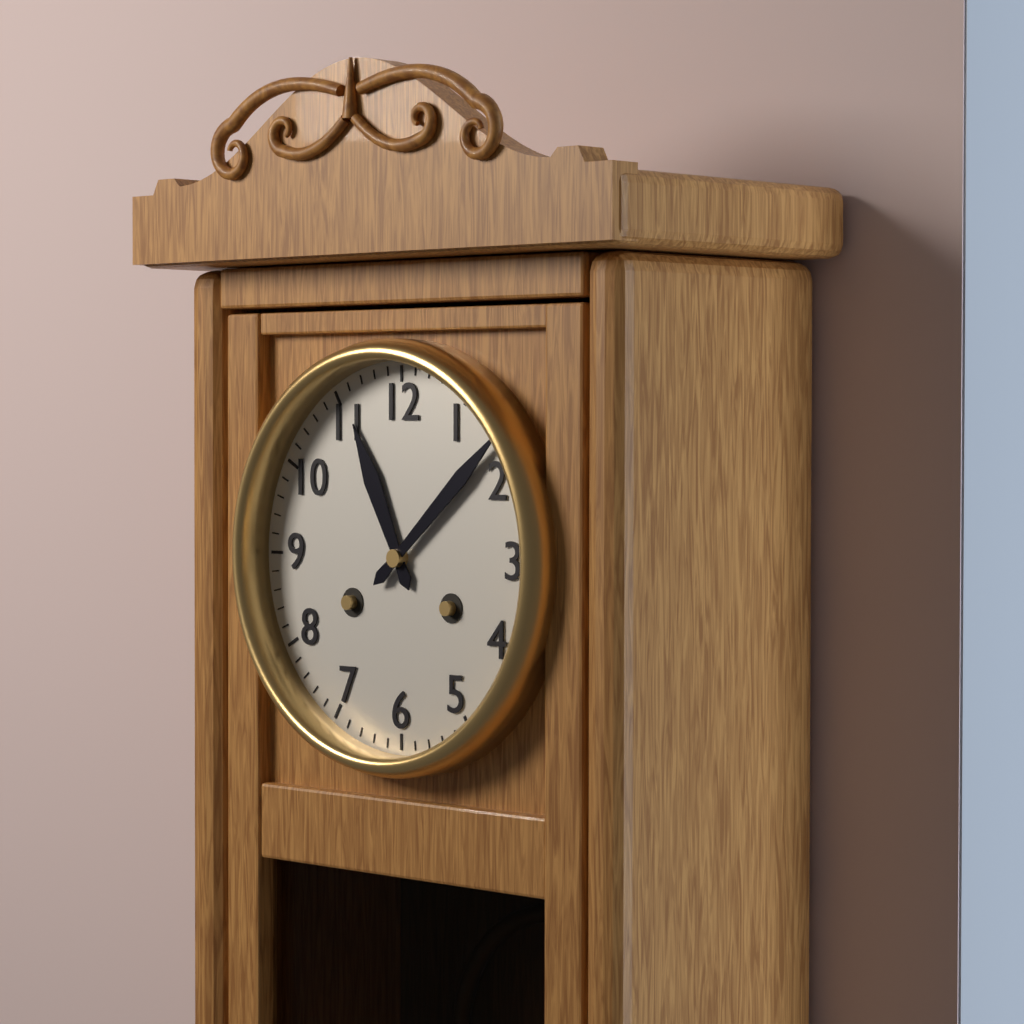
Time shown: 11:08
